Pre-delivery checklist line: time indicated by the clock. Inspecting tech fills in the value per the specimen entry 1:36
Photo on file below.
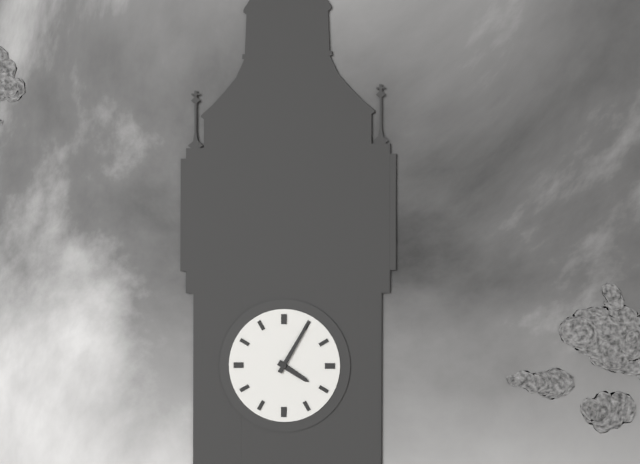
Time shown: 4:05
